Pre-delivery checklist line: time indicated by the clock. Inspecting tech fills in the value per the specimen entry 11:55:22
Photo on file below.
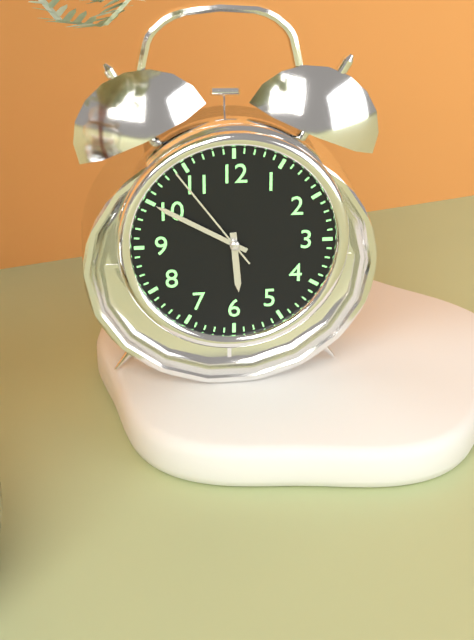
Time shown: 5:50:54
